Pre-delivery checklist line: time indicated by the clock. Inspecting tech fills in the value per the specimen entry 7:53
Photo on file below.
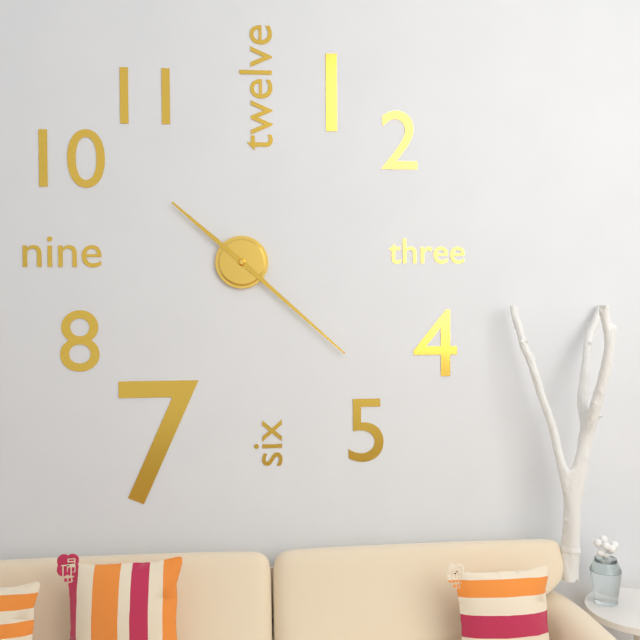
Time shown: 10:22
